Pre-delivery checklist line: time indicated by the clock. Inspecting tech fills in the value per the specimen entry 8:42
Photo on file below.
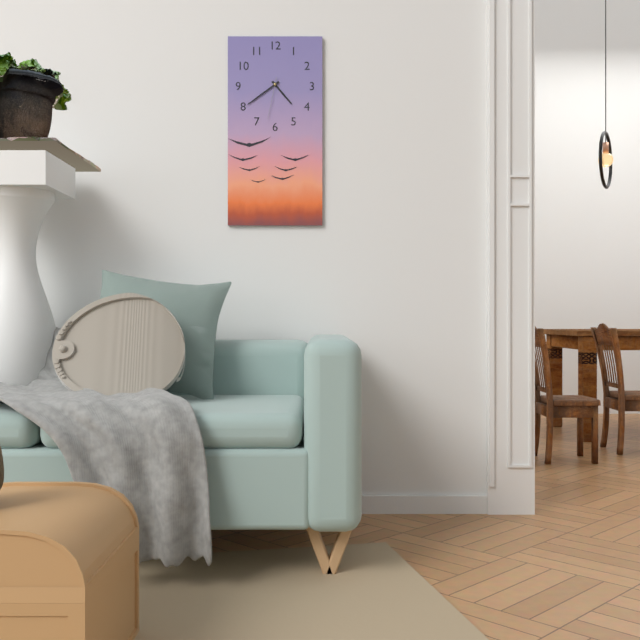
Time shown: 4:39
